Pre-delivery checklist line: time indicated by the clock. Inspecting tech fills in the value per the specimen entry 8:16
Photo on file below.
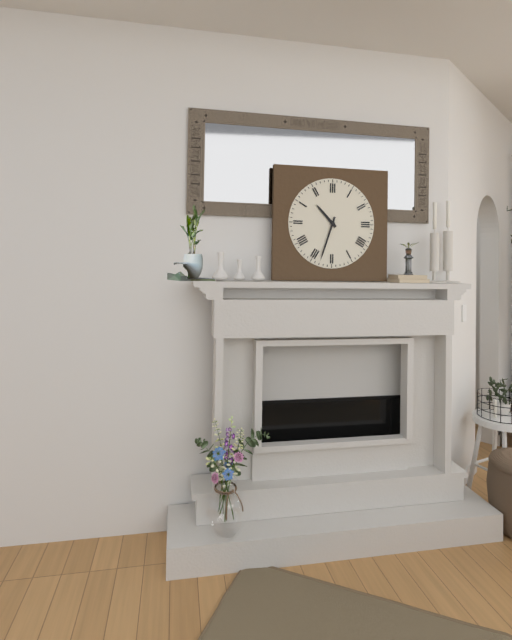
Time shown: 10:33
